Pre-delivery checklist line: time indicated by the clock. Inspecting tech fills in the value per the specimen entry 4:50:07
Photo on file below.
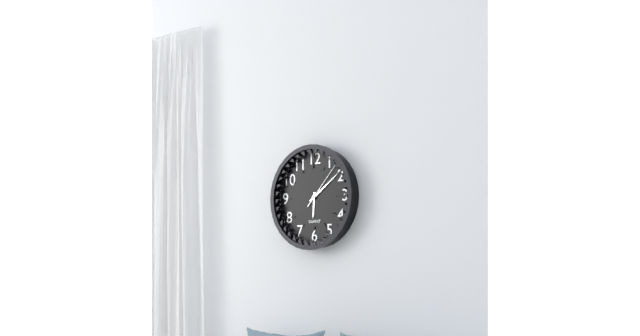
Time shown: 6:09:07
